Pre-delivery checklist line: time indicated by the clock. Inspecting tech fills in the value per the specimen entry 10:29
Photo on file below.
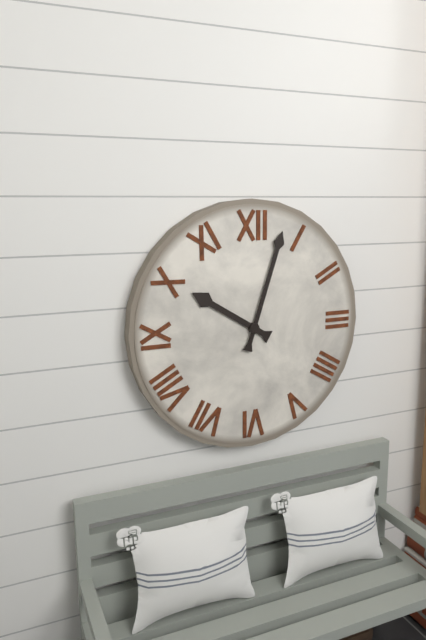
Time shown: 10:03
